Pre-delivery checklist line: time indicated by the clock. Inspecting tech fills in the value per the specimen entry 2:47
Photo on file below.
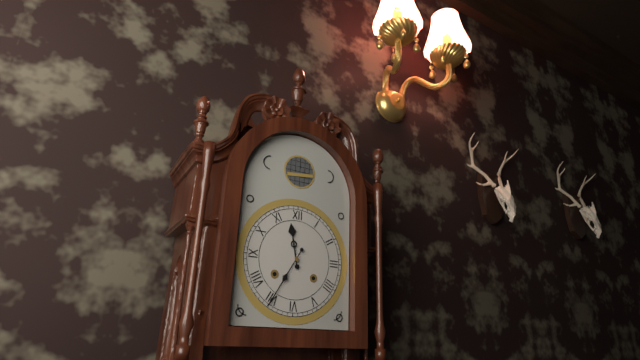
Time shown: 11:35
